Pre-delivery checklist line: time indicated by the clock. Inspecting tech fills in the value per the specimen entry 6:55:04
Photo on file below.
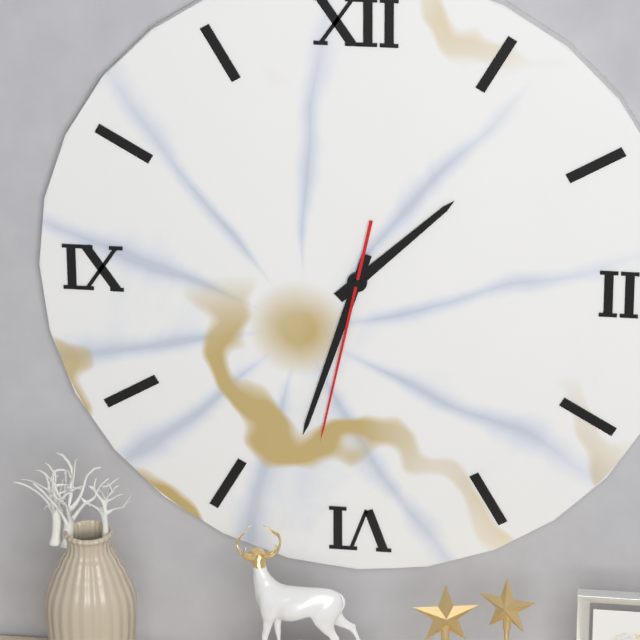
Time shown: 1:33:32
